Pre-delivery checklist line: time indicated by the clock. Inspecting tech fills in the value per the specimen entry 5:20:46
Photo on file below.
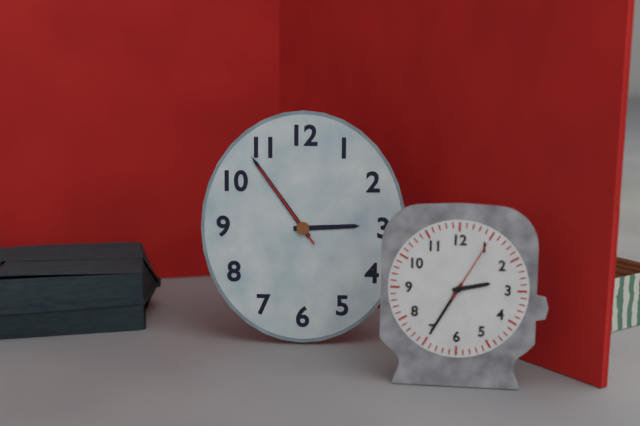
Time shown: 2:54:54
